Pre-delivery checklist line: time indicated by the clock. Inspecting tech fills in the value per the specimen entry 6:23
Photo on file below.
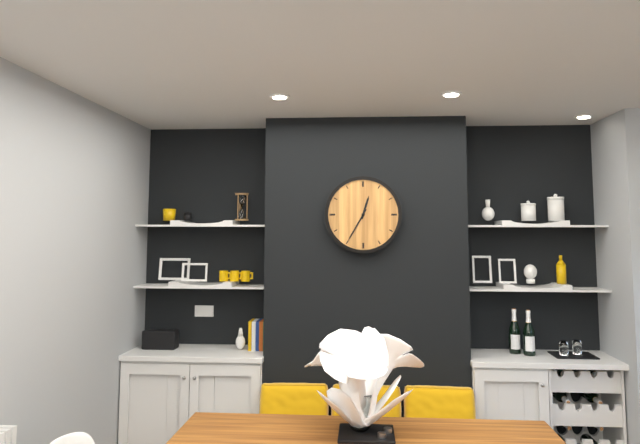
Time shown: 12:35
